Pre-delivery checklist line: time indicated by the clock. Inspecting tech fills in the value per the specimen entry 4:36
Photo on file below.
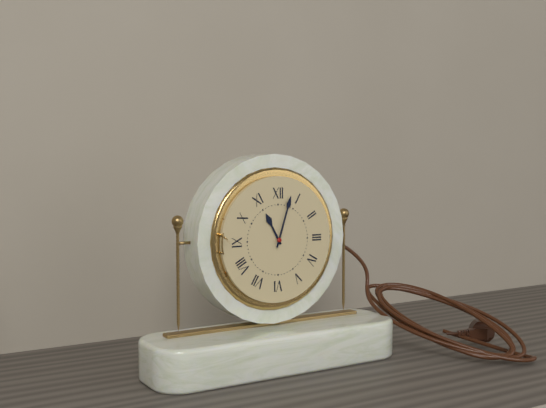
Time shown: 11:03
